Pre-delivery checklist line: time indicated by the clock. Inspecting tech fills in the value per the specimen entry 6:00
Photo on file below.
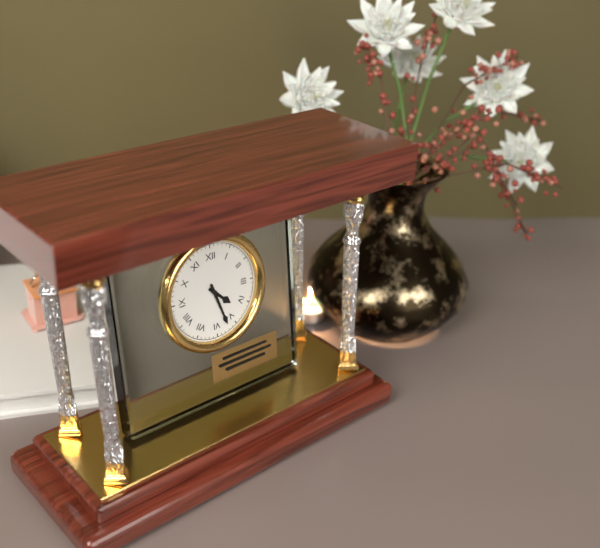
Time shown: 4:27
